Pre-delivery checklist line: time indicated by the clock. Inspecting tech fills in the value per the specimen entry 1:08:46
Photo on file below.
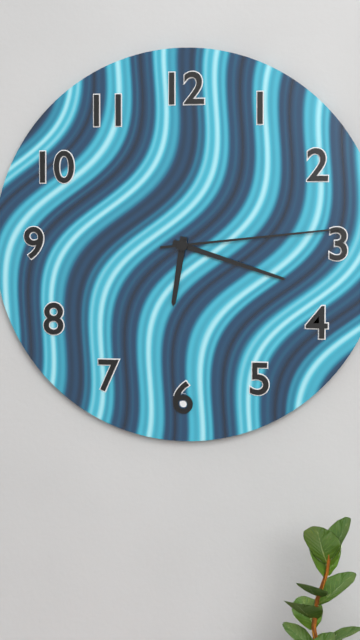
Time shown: 6:18:14
